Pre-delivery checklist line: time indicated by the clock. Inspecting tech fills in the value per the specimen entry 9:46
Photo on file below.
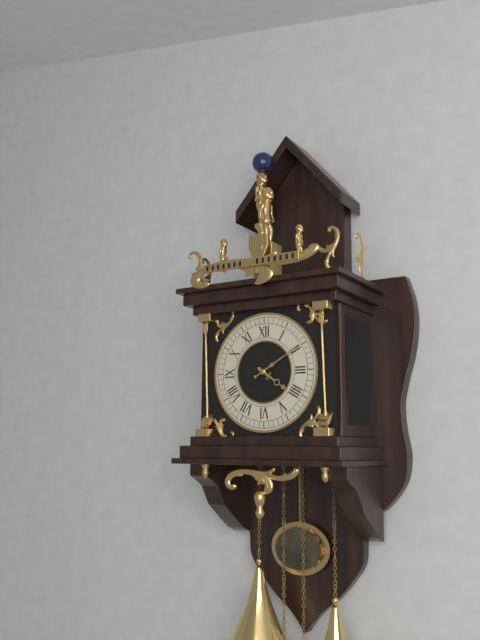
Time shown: 4:10
